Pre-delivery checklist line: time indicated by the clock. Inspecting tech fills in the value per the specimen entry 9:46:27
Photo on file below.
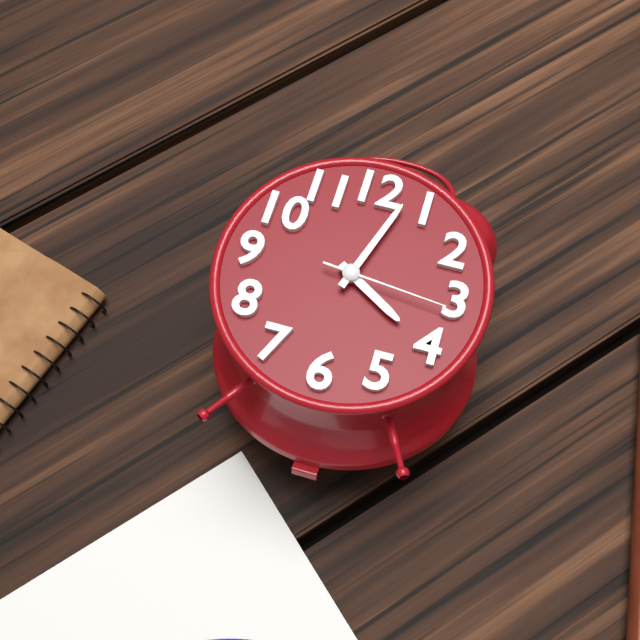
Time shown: 4:03:16
